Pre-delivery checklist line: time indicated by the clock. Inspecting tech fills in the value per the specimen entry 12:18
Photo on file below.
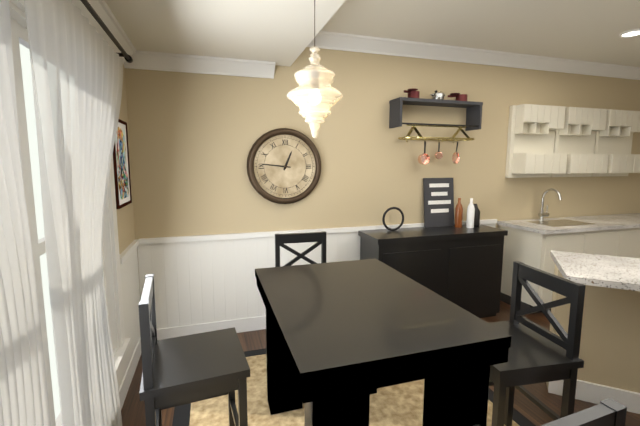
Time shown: 12:46
